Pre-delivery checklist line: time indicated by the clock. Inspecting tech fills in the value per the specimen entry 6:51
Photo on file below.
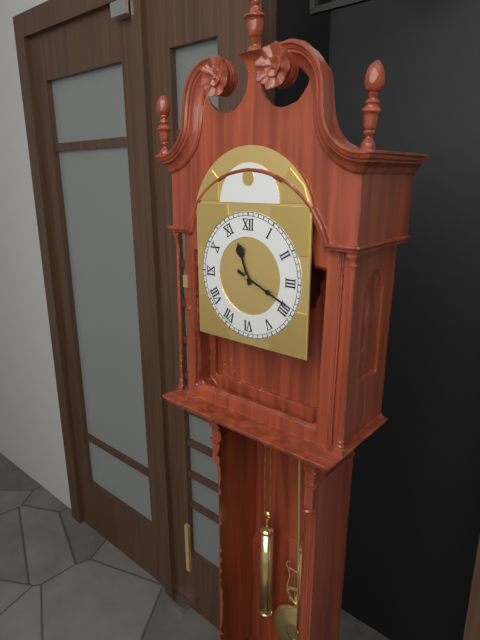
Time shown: 11:19
